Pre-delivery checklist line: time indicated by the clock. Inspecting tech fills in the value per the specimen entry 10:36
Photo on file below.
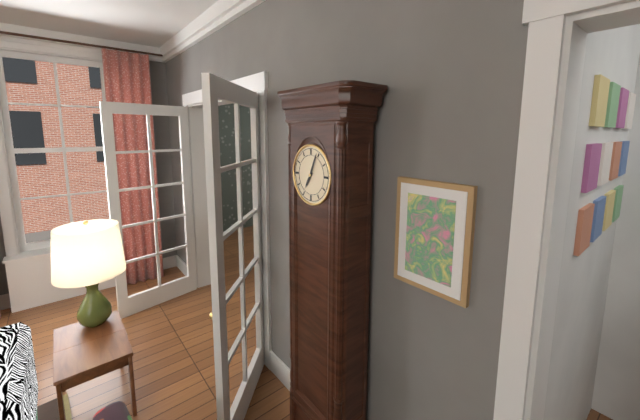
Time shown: 7:04
